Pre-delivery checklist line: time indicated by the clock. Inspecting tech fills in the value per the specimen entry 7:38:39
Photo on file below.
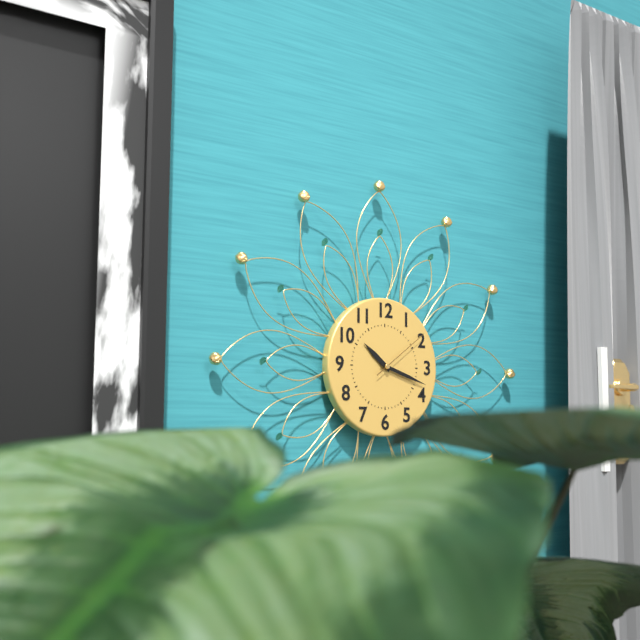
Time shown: 10:18:09
